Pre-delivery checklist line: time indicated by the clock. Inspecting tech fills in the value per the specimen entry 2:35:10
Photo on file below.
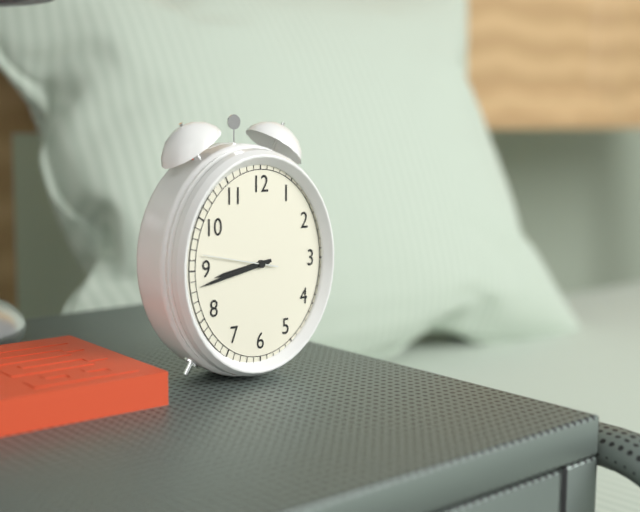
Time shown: 8:43:47
